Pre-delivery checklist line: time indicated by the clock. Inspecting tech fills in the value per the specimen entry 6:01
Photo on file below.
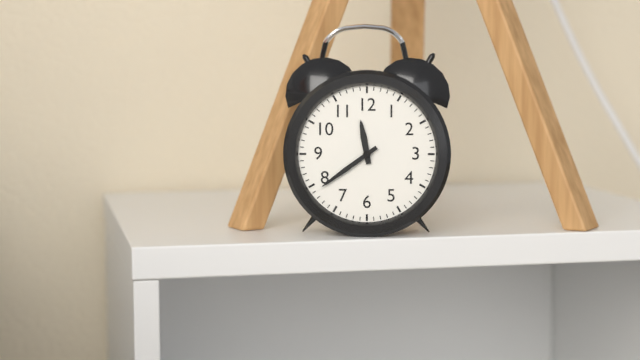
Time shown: 11:39
